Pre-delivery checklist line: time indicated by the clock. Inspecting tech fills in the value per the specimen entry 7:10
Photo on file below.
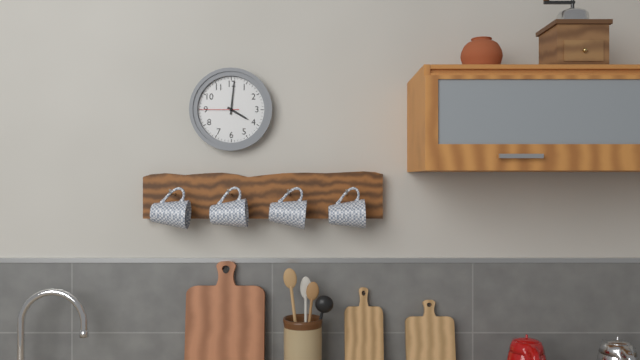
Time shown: 4:01
